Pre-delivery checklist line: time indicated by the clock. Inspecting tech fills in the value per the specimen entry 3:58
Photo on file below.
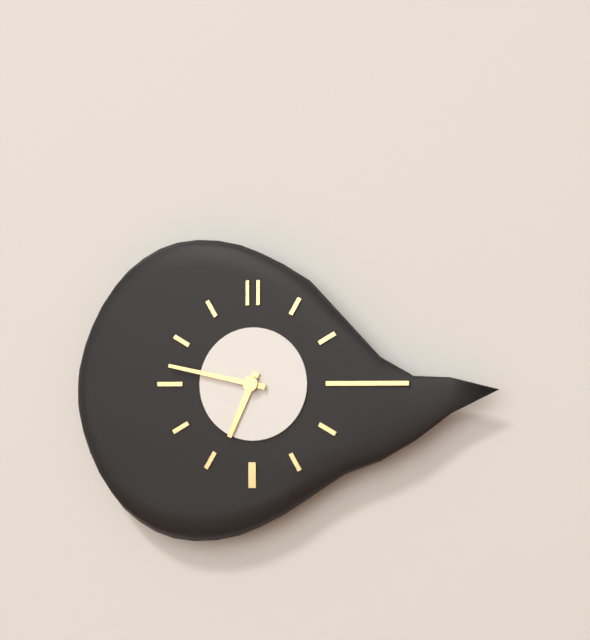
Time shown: 6:47
